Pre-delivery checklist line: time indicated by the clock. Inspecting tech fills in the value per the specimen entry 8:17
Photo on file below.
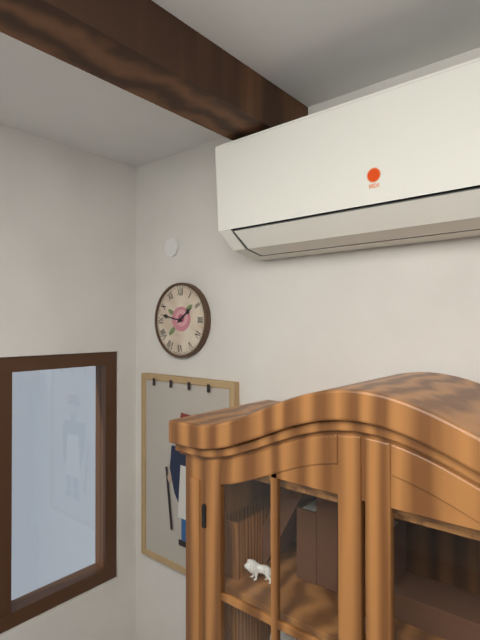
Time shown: 1:47
